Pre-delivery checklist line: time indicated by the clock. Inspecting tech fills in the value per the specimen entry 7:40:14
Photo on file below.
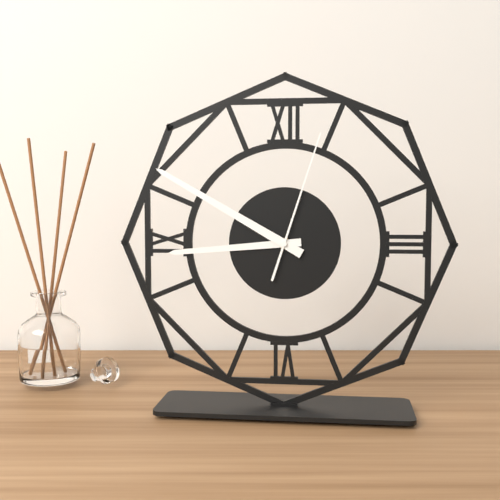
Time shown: 8:50:03
